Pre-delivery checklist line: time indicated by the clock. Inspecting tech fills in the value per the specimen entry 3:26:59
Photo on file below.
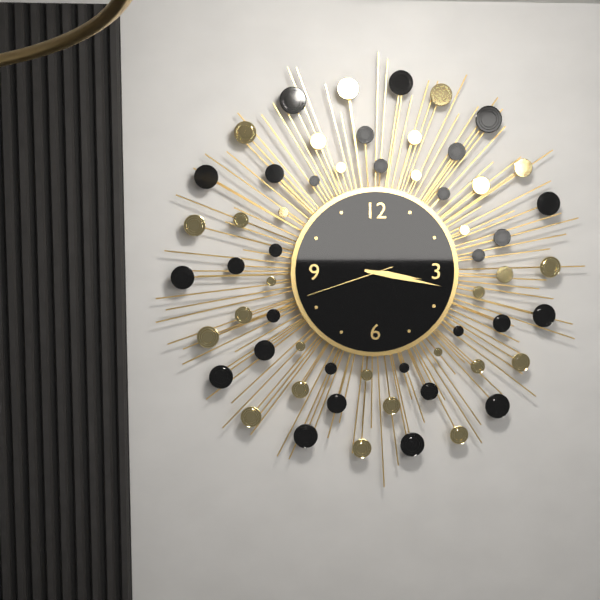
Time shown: 3:17:42
